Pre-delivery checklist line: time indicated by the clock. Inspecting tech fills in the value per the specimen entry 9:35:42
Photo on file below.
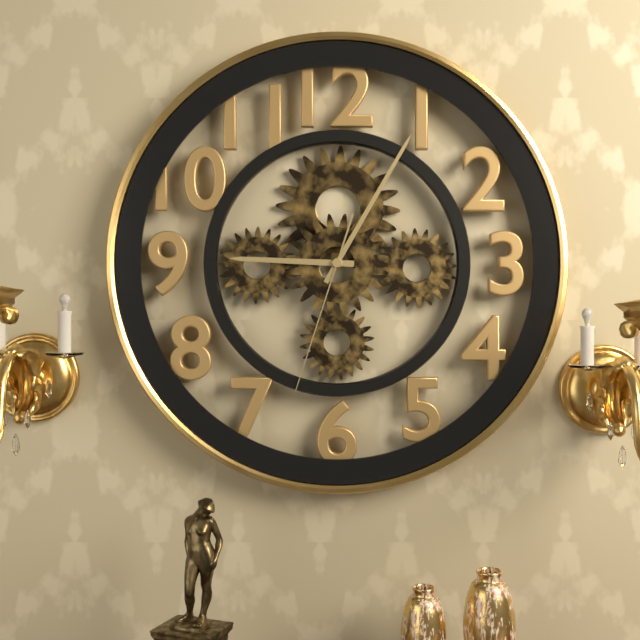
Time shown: 9:05:33
